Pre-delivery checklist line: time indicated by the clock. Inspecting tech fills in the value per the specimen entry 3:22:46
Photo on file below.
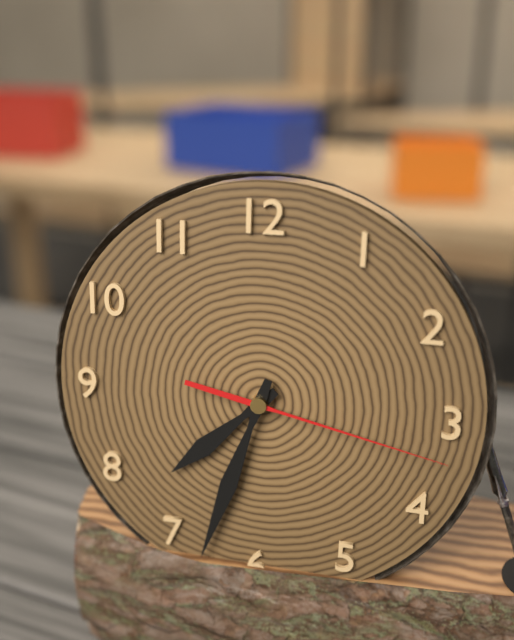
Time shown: 7:33:17
